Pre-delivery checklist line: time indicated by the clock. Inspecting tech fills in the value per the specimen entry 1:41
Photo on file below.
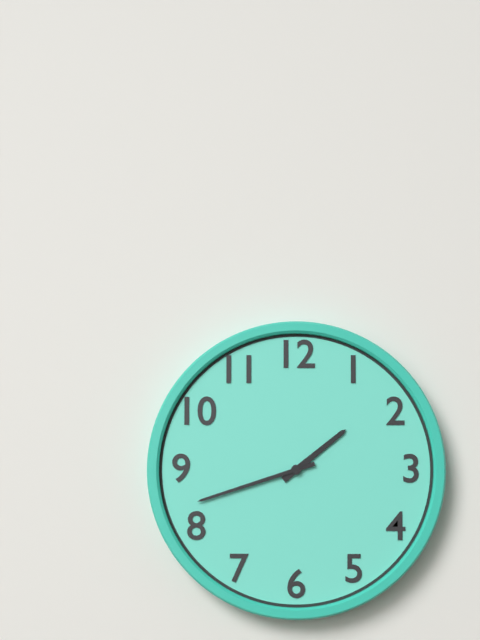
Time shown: 1:42
